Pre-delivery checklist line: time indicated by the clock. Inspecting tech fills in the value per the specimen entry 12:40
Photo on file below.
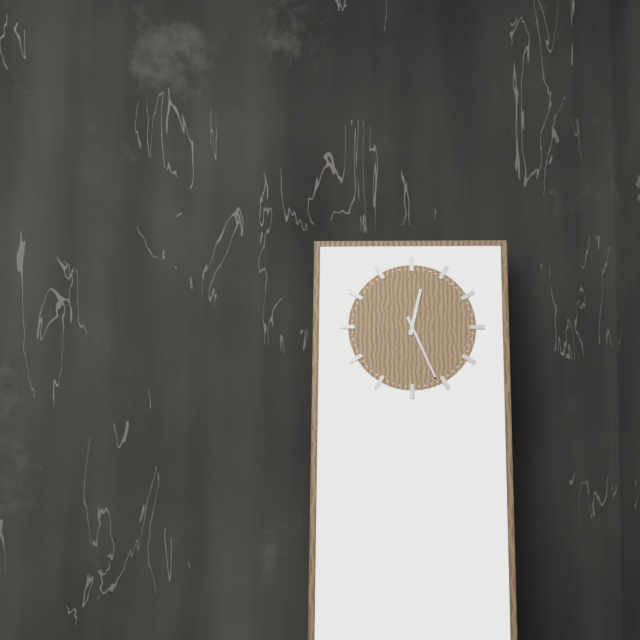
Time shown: 12:26
